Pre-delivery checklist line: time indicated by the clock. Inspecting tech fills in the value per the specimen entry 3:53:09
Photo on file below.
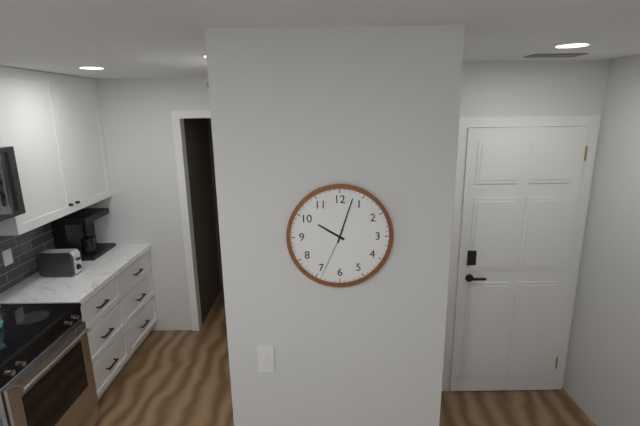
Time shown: 10:03:34
